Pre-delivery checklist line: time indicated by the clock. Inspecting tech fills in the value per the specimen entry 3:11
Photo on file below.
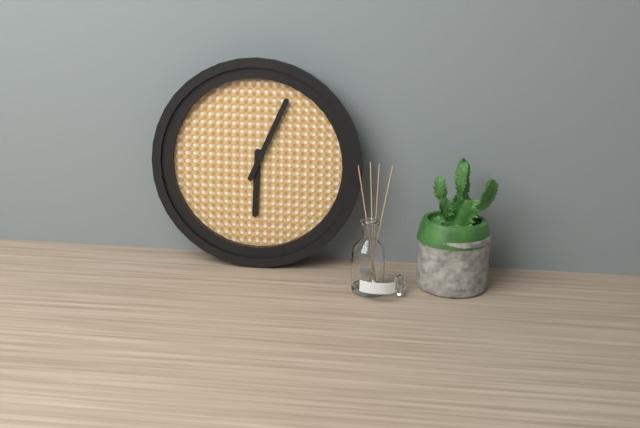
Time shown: 6:04
